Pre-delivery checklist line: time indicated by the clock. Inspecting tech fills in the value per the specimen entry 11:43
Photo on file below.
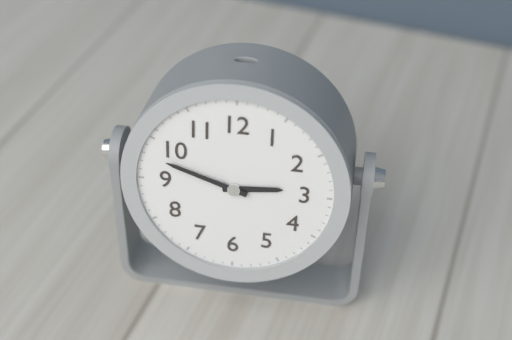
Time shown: 2:48
